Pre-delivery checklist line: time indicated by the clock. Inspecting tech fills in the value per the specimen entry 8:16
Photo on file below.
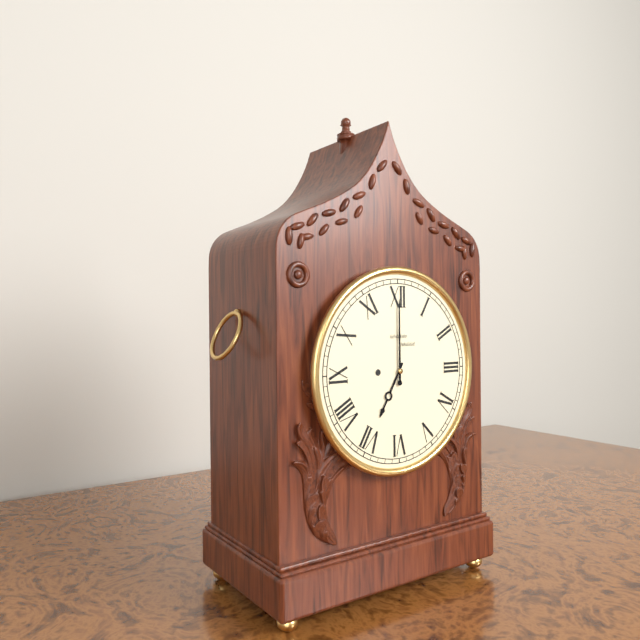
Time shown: 7:00
